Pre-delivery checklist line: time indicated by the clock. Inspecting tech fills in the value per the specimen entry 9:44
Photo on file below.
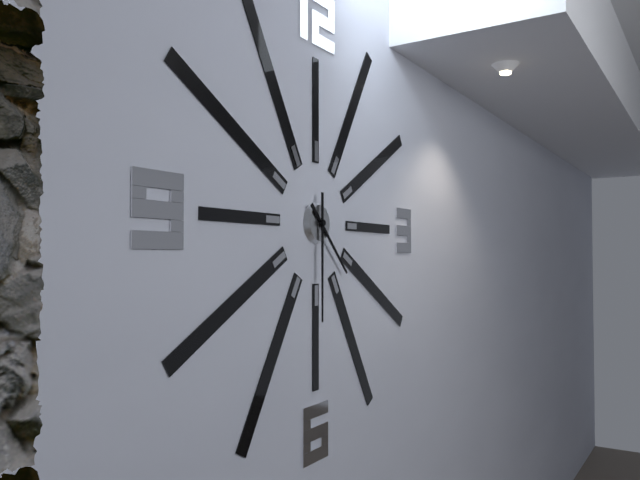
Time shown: 4:30
